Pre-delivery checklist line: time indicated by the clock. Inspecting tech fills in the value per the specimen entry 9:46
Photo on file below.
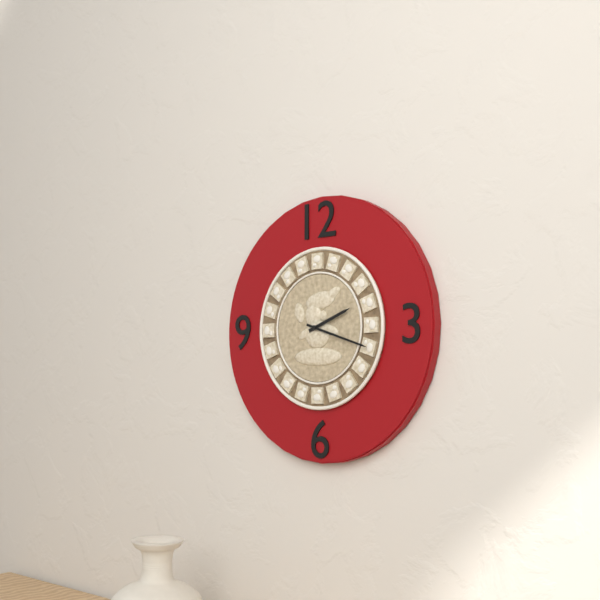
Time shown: 2:18
